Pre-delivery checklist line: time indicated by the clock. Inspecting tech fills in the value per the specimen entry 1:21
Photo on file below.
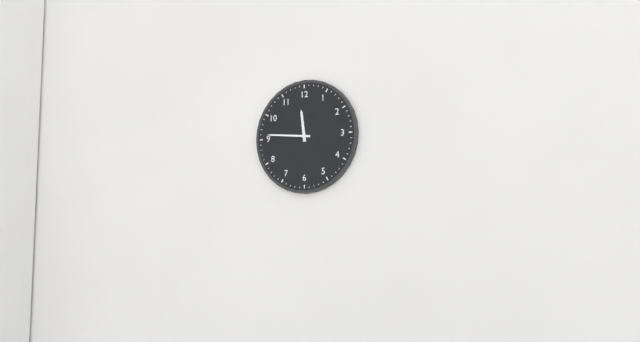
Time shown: 11:46
